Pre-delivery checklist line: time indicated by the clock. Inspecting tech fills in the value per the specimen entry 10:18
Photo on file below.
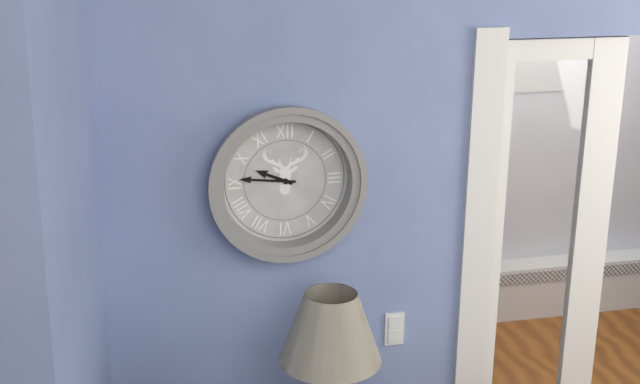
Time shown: 9:46
